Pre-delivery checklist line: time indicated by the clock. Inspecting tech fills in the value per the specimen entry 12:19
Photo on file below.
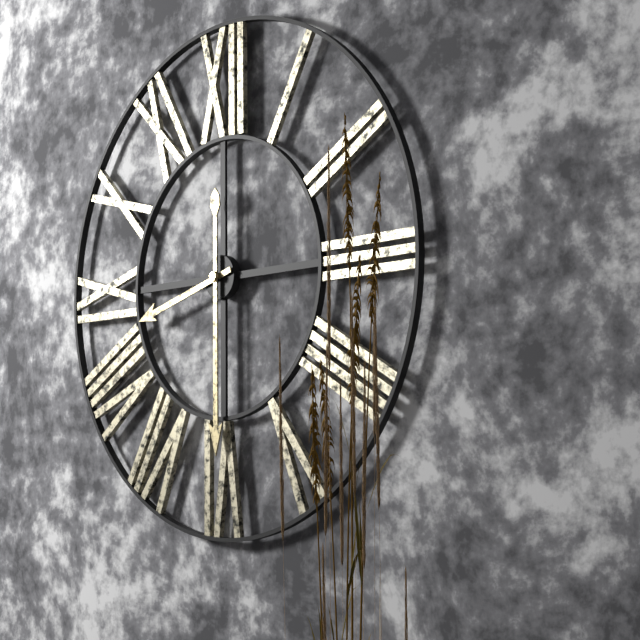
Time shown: 8:30
